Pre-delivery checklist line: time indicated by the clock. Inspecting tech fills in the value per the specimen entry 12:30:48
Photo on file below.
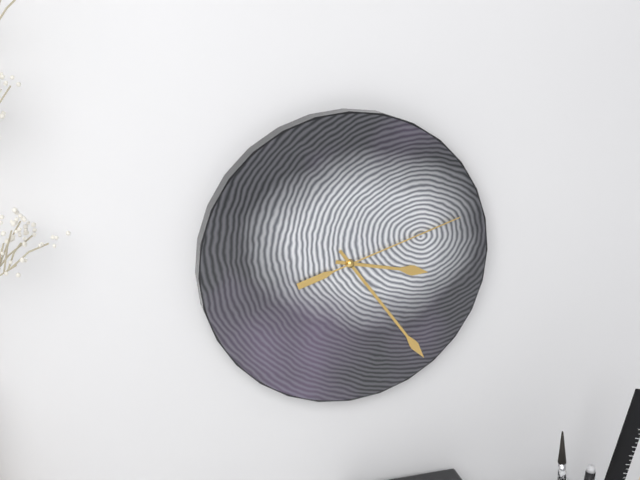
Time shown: 3:24:12
